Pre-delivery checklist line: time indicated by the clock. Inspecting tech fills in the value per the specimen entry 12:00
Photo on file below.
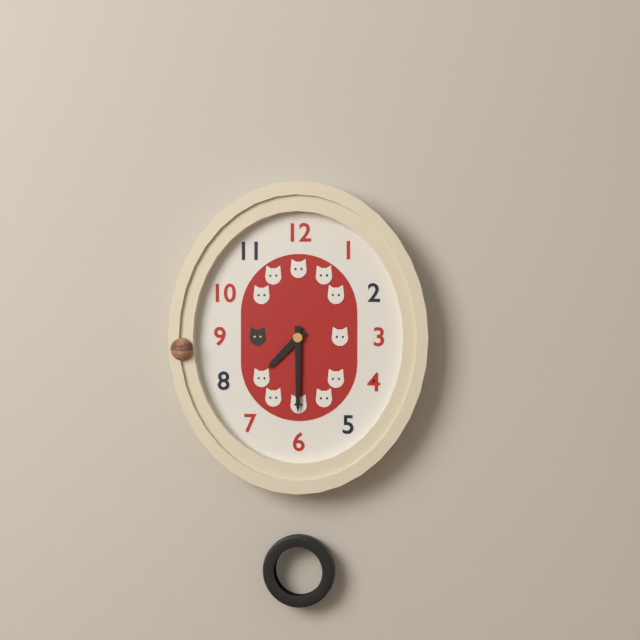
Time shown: 7:30
